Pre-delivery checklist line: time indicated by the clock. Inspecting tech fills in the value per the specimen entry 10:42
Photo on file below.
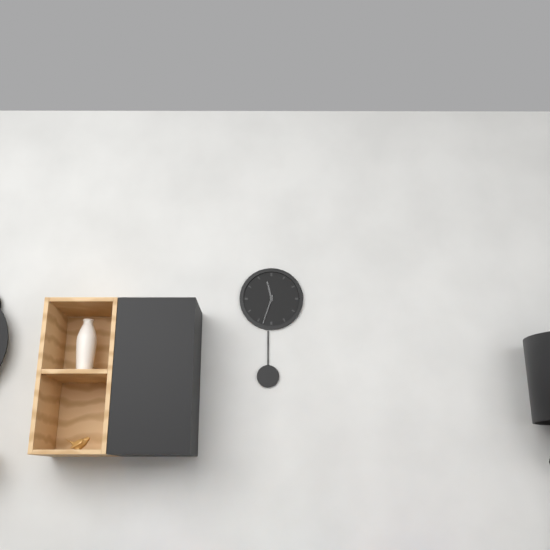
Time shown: 11:33
